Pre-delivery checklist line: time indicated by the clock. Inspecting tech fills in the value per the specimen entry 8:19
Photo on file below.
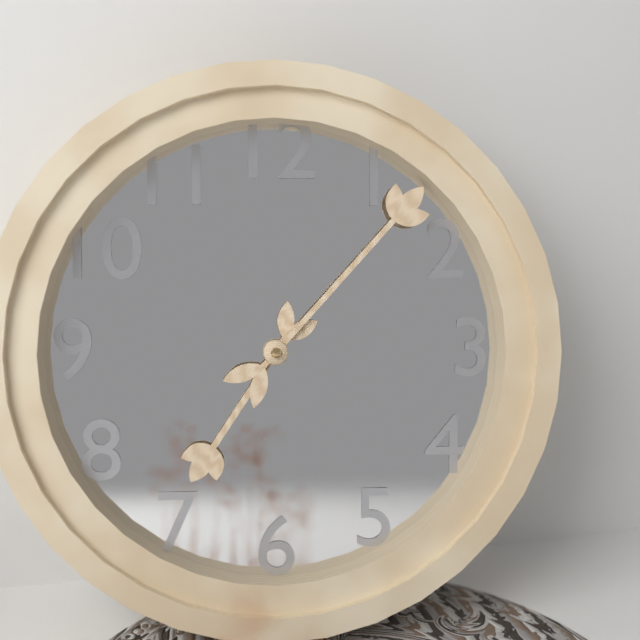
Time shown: 7:07
